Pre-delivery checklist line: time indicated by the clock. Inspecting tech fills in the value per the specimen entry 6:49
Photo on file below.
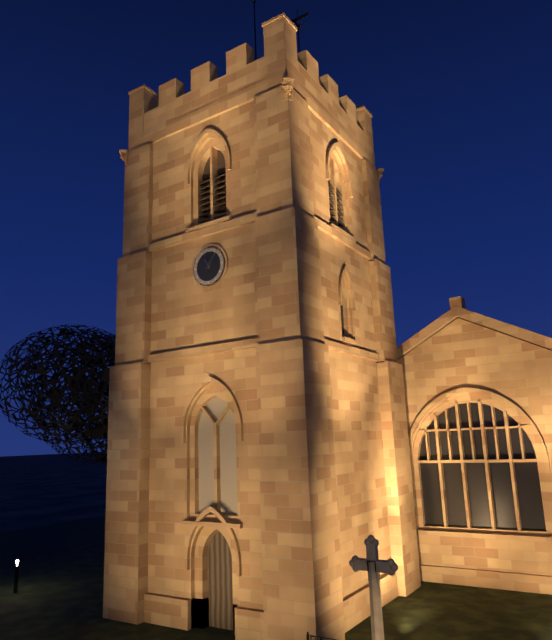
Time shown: 11:06
